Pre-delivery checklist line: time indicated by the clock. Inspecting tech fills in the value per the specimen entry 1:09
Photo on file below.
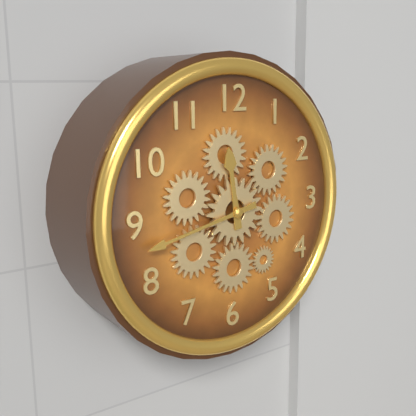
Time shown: 11:43
